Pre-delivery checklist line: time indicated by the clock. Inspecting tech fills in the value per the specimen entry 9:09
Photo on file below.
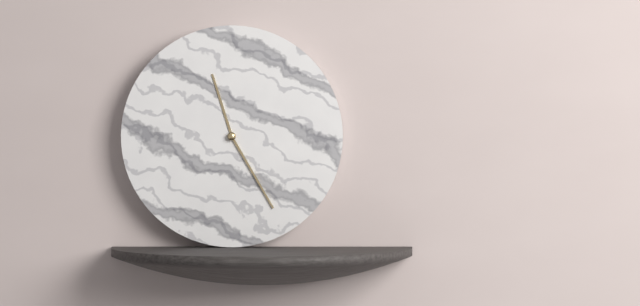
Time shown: 11:25
